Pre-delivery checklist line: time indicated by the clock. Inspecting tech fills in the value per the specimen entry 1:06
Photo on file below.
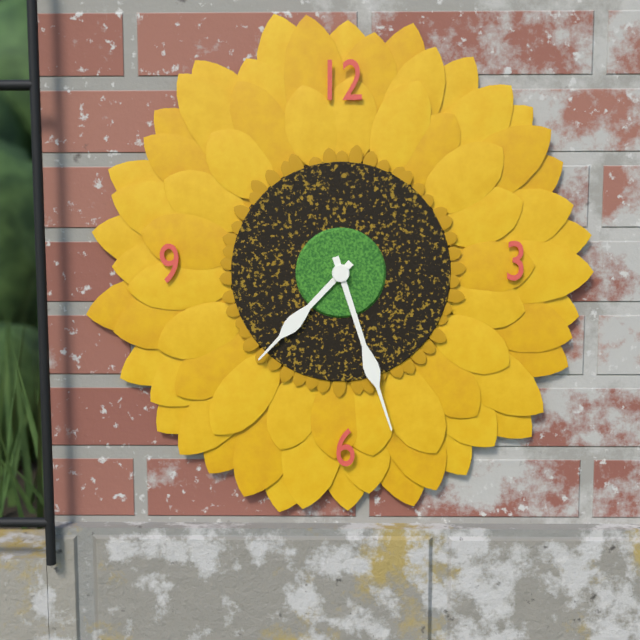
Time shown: 7:27
